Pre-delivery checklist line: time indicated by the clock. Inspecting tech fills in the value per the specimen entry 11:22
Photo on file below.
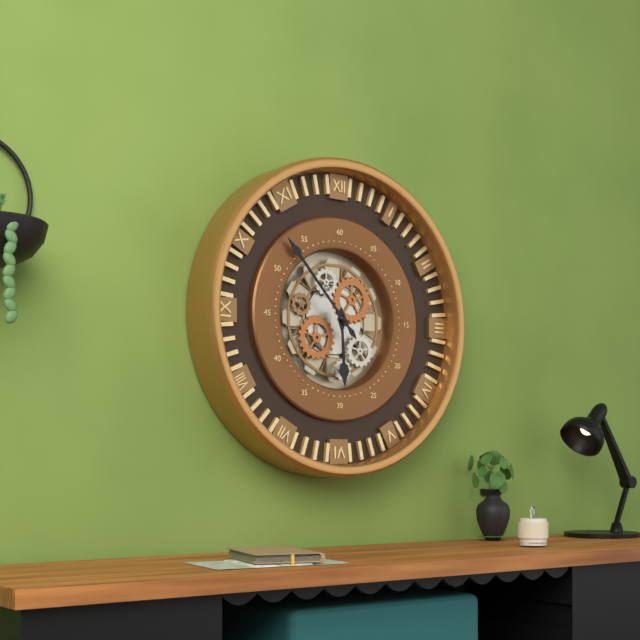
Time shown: 5:53
